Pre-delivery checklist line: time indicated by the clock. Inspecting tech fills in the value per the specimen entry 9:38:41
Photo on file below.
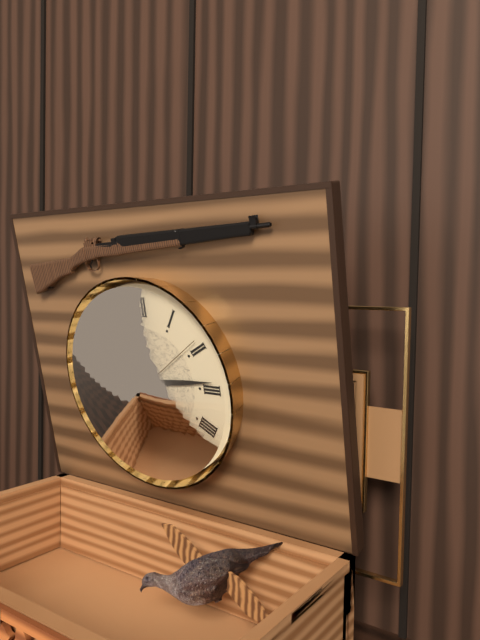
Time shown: 5:14:09
